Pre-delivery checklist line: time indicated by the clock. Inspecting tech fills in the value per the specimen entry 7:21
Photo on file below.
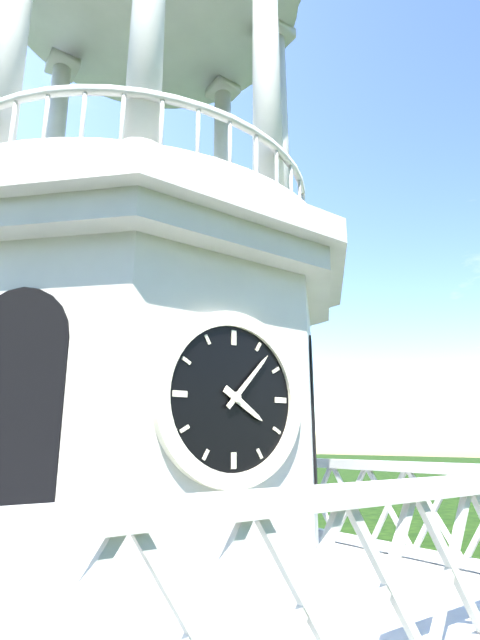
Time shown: 4:07
